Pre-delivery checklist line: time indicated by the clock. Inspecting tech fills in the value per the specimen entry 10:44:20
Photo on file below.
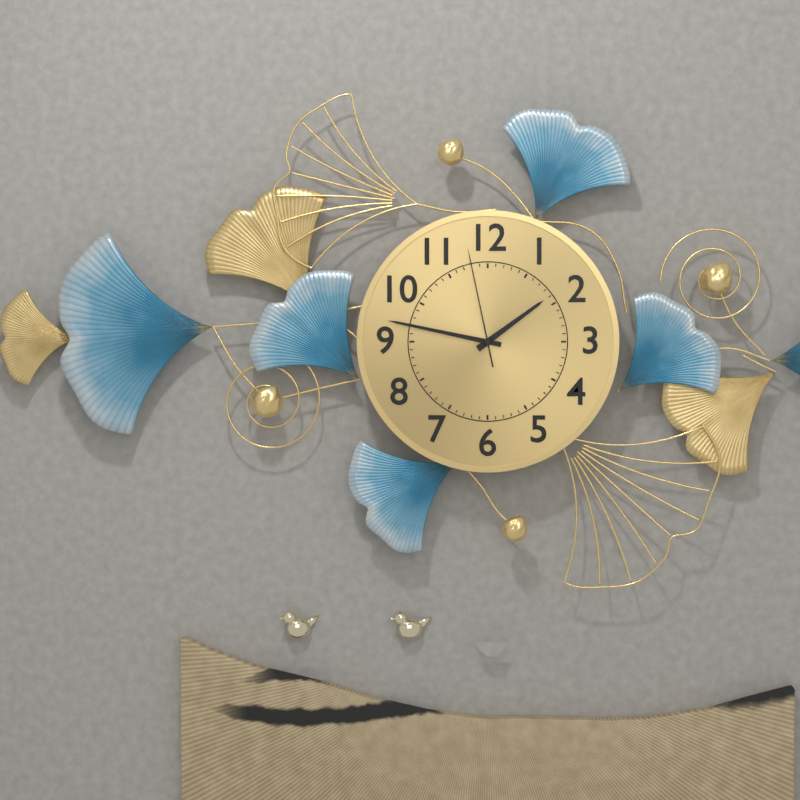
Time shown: 1:47:58
